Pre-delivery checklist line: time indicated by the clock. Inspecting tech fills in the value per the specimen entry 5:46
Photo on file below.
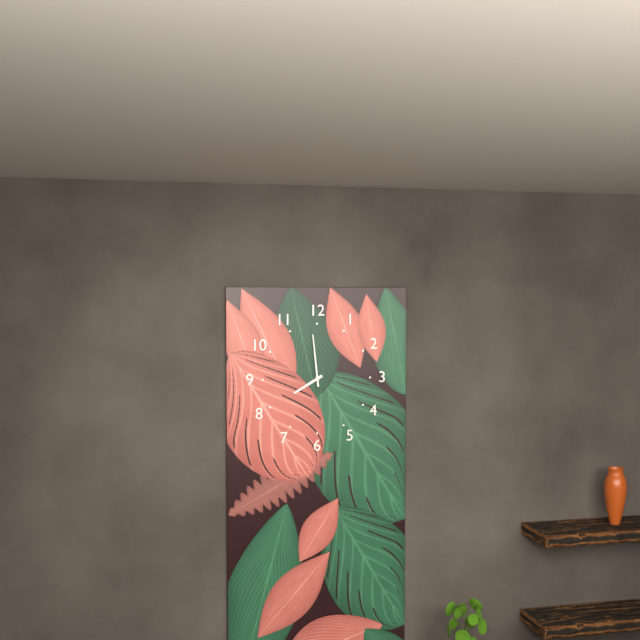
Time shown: 7:59
